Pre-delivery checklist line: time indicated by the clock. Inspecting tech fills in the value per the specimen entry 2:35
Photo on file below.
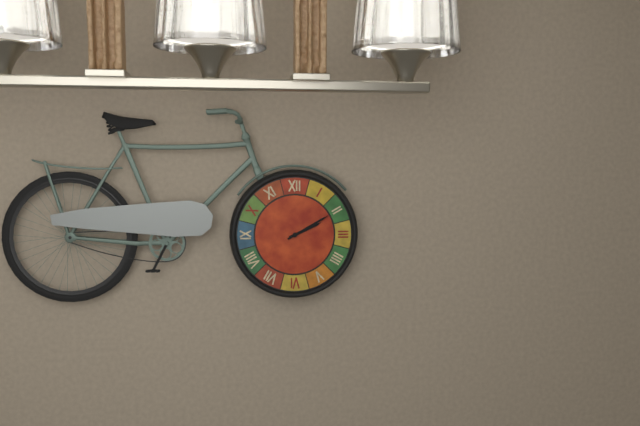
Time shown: 2:10
